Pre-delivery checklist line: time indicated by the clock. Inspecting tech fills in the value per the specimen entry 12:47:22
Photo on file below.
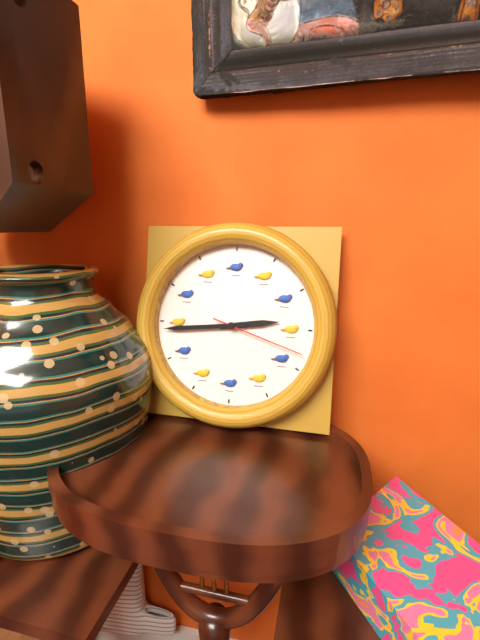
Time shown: 2:44:18
